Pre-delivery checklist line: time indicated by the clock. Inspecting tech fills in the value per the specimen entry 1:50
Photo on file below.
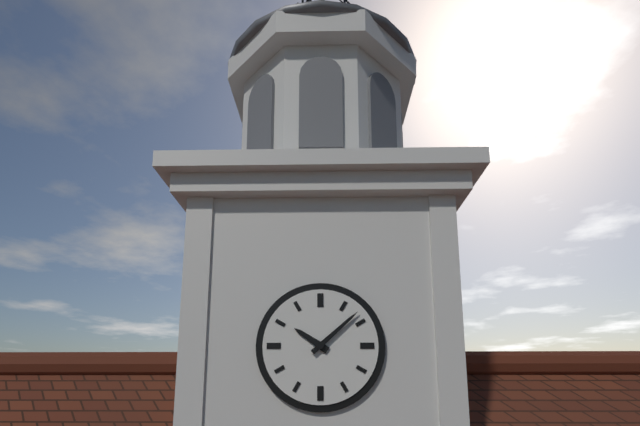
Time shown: 10:08
